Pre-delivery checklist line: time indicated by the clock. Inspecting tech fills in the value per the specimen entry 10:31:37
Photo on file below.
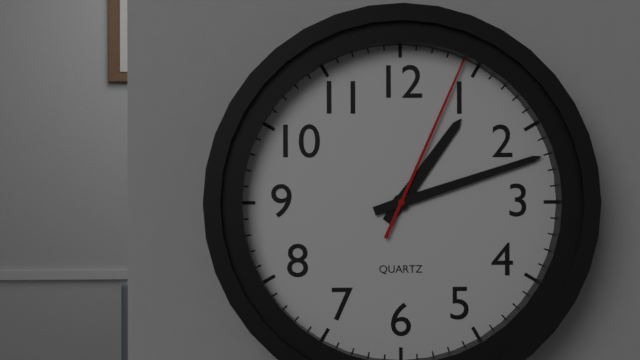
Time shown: 1:12:04
